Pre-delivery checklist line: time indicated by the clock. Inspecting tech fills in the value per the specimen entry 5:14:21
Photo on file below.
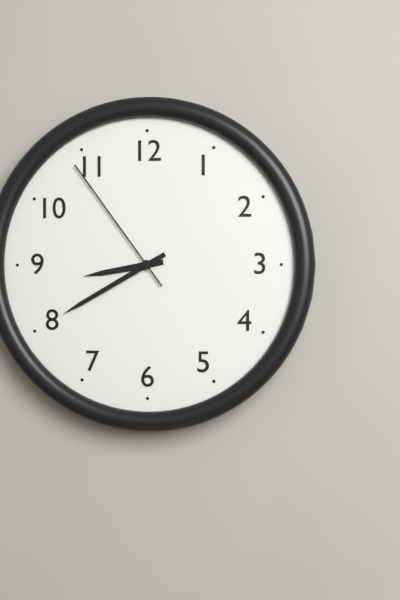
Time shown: 8:40:54
